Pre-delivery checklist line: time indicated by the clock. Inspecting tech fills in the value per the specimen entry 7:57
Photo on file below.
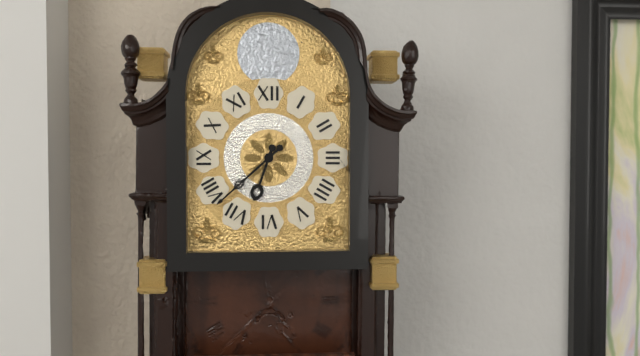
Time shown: 6:38
